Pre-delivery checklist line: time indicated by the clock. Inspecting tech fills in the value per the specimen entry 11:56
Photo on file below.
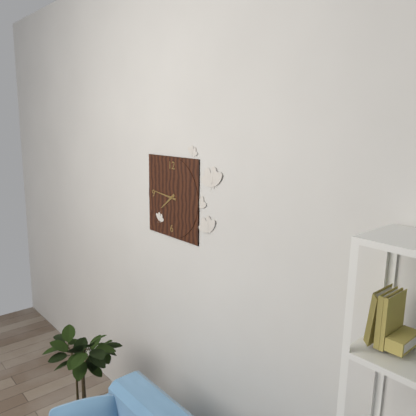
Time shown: 7:46
